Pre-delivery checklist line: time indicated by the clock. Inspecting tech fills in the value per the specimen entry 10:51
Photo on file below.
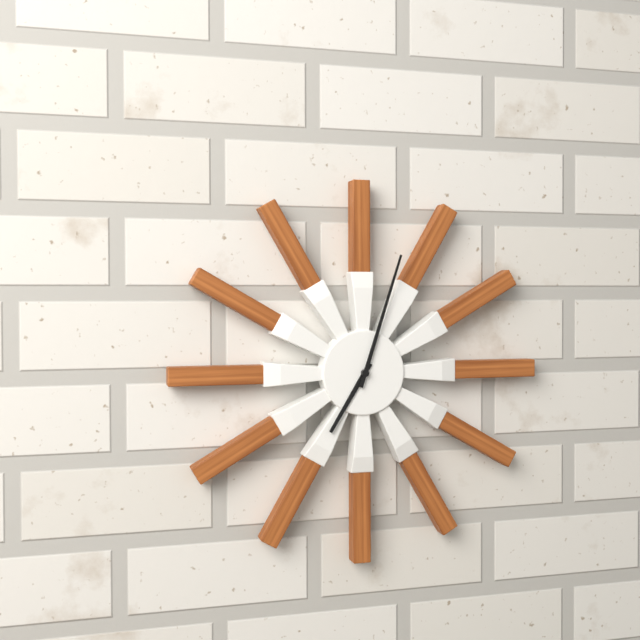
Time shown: 7:03
